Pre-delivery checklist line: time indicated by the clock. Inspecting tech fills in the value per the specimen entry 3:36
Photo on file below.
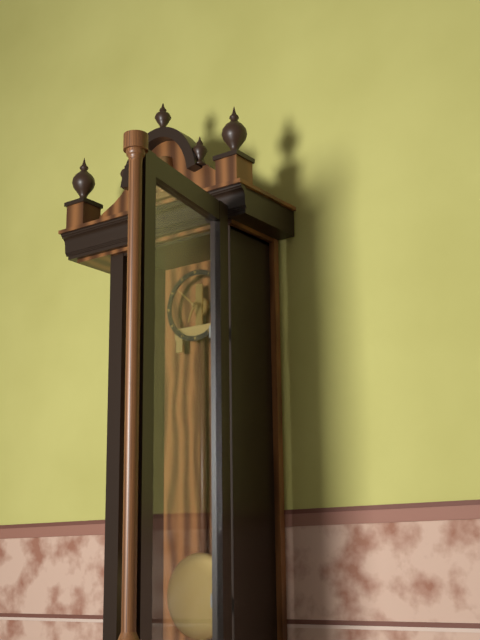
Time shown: 6:52
